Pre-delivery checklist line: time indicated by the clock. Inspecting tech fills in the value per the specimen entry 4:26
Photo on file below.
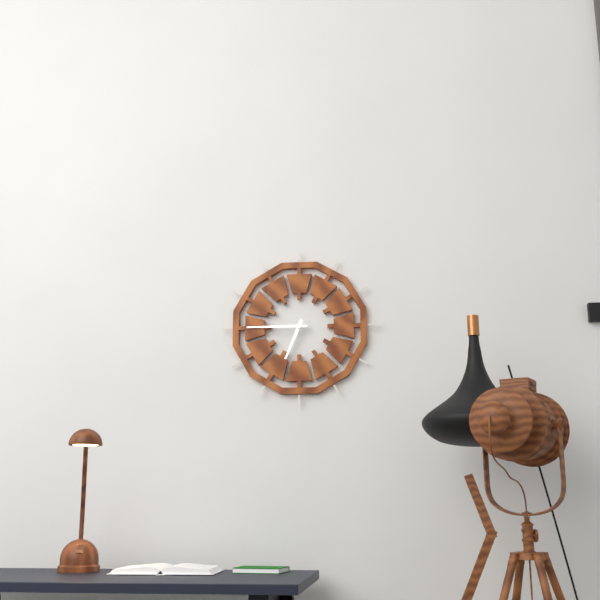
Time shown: 6:45
